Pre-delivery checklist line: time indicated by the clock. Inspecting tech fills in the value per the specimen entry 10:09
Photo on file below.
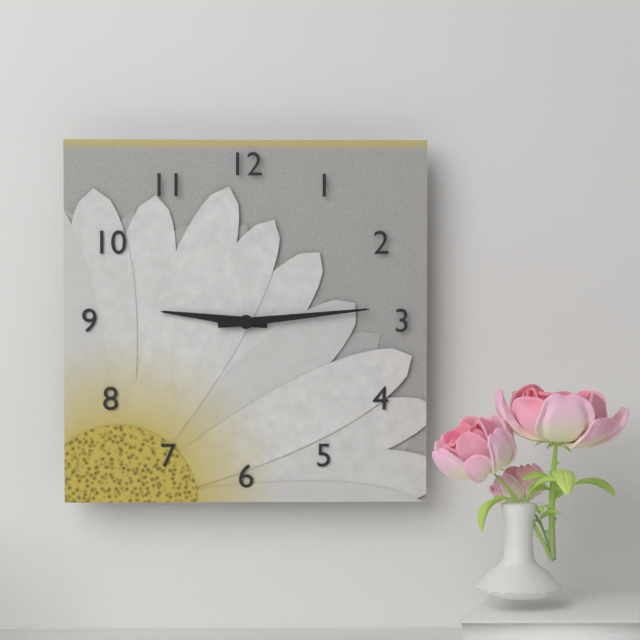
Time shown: 9:14
